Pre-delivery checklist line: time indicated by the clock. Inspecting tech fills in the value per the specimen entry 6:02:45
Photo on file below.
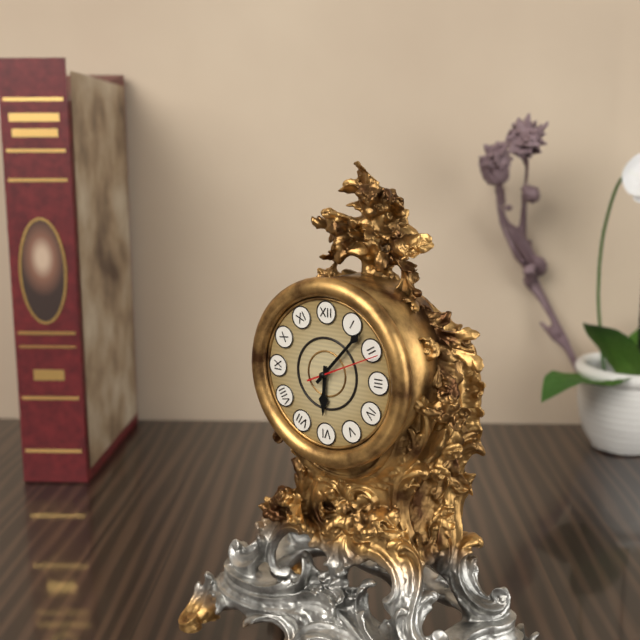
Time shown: 6:07:11
